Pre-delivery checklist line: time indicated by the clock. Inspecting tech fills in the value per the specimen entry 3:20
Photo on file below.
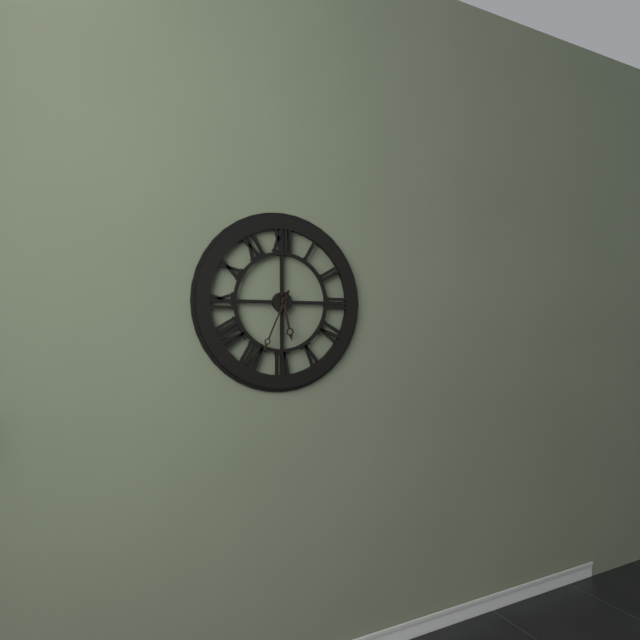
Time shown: 5:34
